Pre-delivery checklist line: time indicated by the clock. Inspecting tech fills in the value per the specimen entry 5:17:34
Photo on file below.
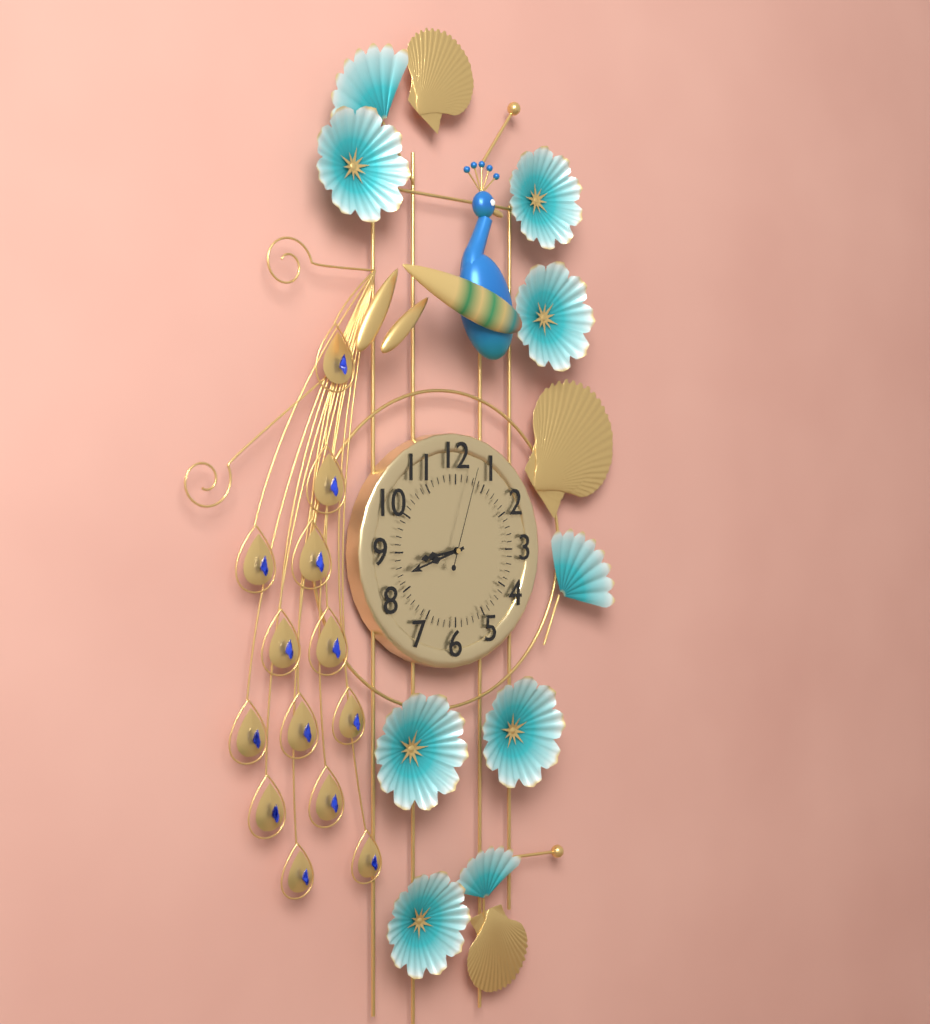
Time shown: 8:42:03
